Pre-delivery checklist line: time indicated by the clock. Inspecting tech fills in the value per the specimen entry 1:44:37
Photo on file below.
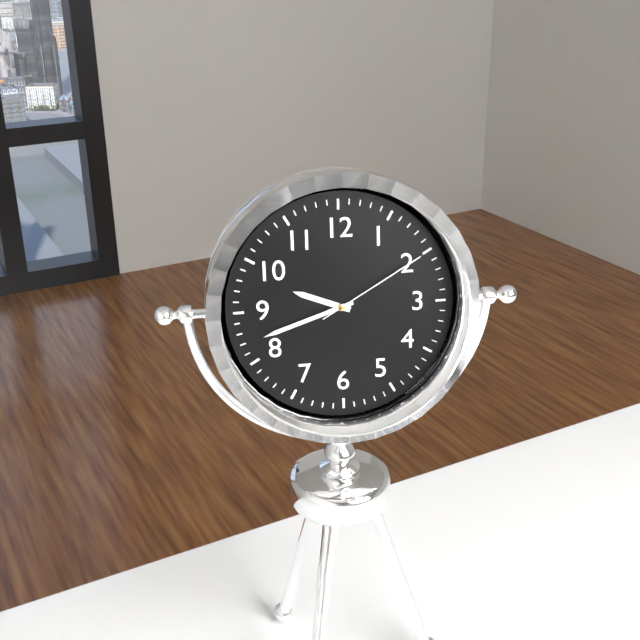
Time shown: 9:42:10
